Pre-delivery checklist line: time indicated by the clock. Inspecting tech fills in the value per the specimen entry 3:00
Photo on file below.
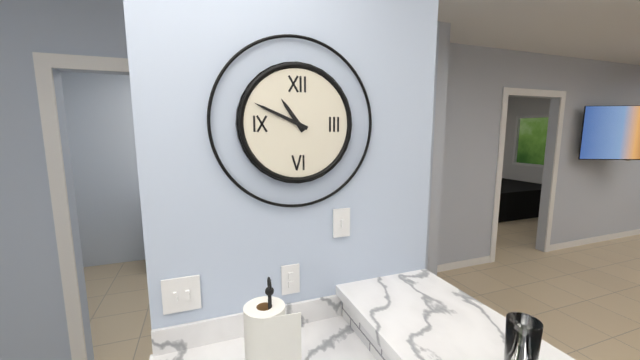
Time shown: 10:49
